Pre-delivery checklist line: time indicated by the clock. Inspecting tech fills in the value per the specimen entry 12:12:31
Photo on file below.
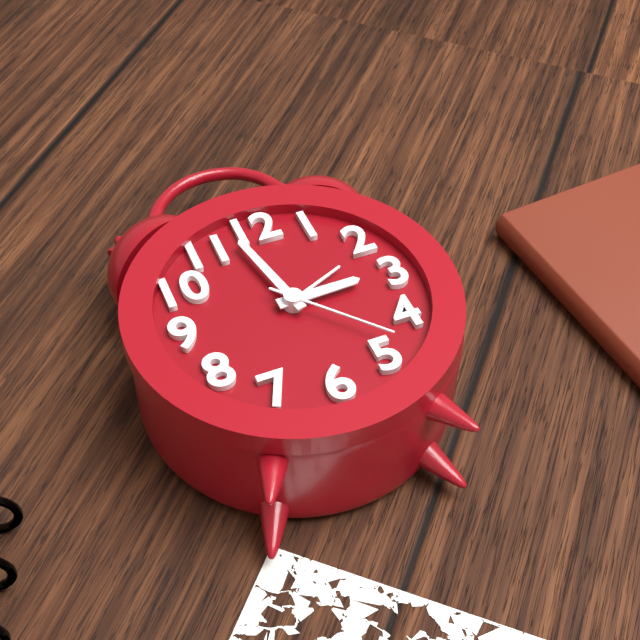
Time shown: 2:58:23
